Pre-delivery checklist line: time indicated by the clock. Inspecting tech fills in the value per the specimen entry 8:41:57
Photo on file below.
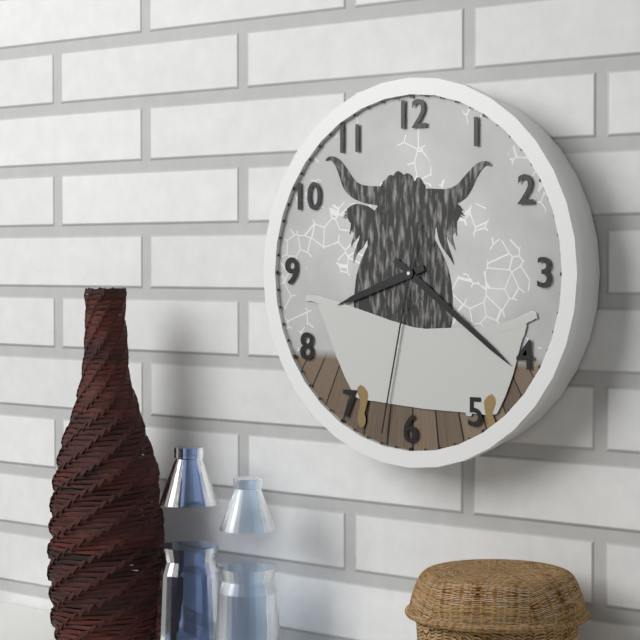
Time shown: 8:21:32
